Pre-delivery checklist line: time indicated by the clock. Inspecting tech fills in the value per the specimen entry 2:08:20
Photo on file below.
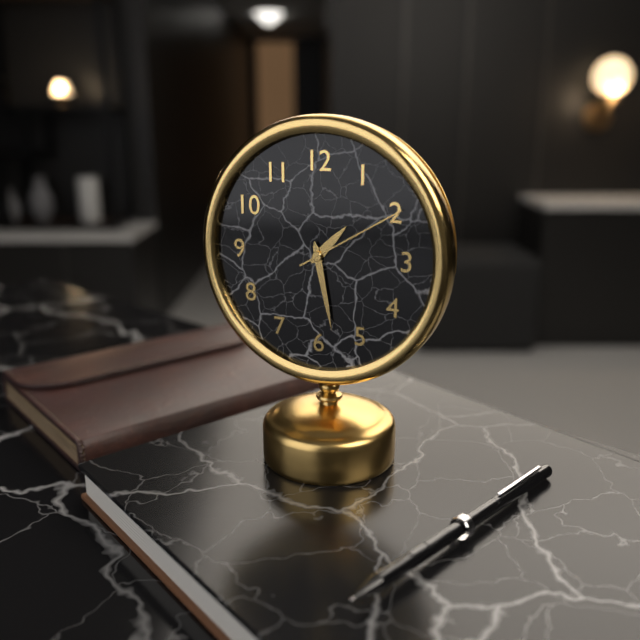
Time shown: 1:28:10
